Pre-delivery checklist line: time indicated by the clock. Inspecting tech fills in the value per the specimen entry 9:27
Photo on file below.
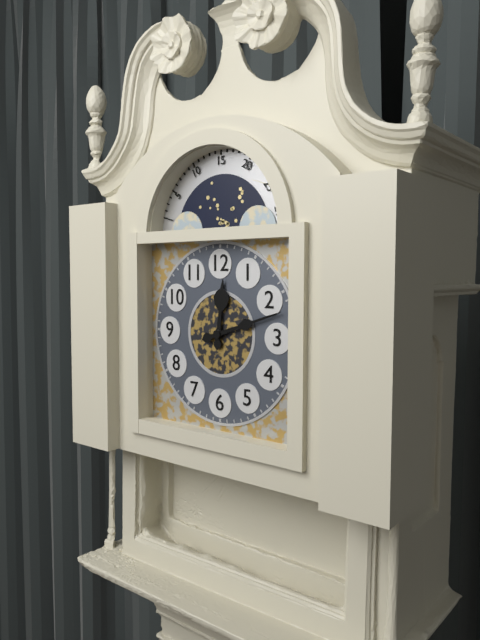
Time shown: 12:12
